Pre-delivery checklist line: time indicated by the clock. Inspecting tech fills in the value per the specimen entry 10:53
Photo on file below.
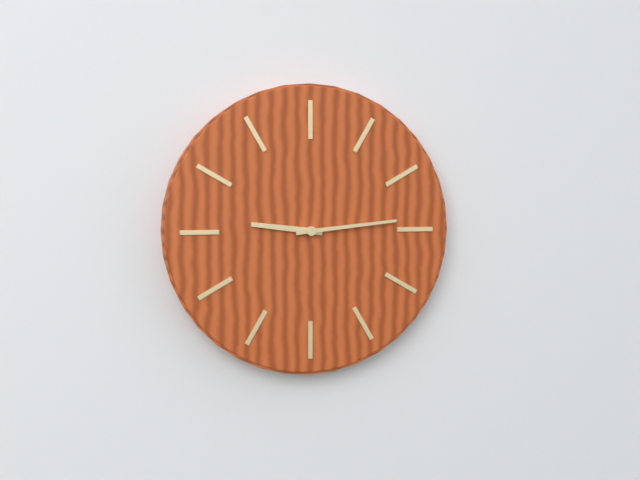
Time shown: 9:14
